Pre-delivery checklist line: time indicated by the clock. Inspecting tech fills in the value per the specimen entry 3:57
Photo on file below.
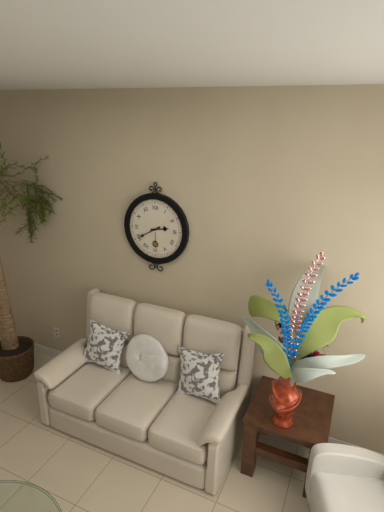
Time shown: 2:40
